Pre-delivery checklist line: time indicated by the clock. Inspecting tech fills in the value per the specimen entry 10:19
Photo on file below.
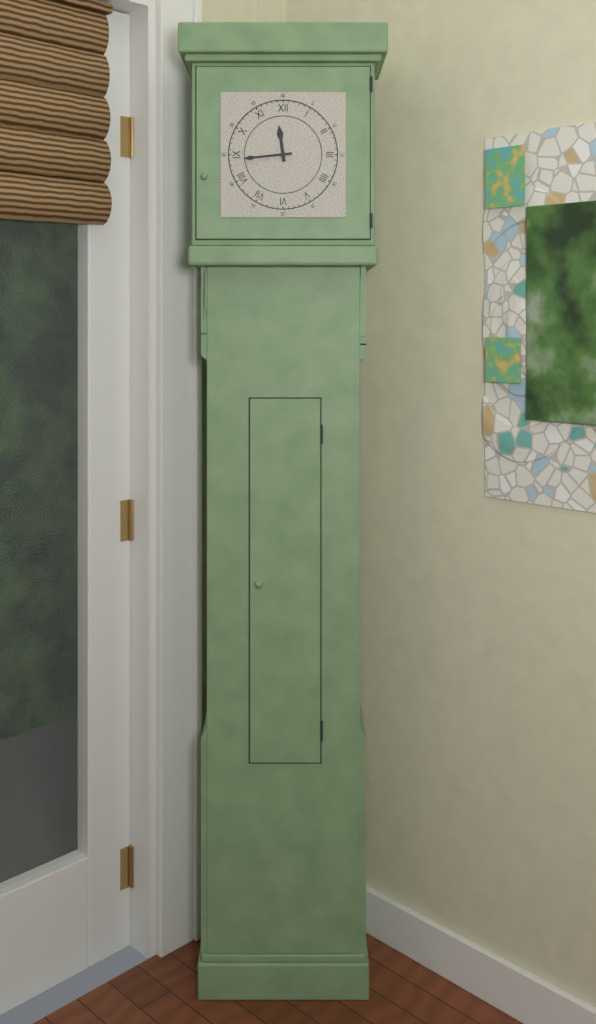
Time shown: 11:44
